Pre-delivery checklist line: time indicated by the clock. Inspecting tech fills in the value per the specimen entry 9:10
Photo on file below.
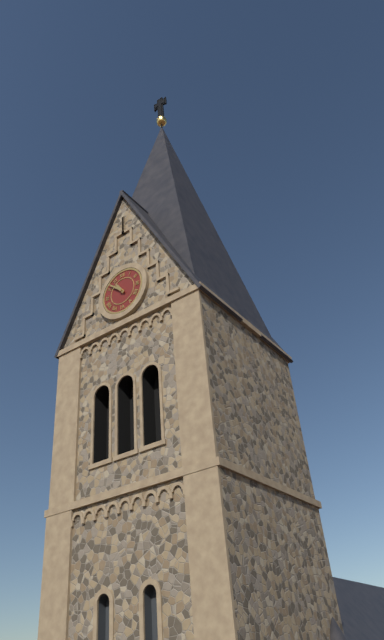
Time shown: 10:52
